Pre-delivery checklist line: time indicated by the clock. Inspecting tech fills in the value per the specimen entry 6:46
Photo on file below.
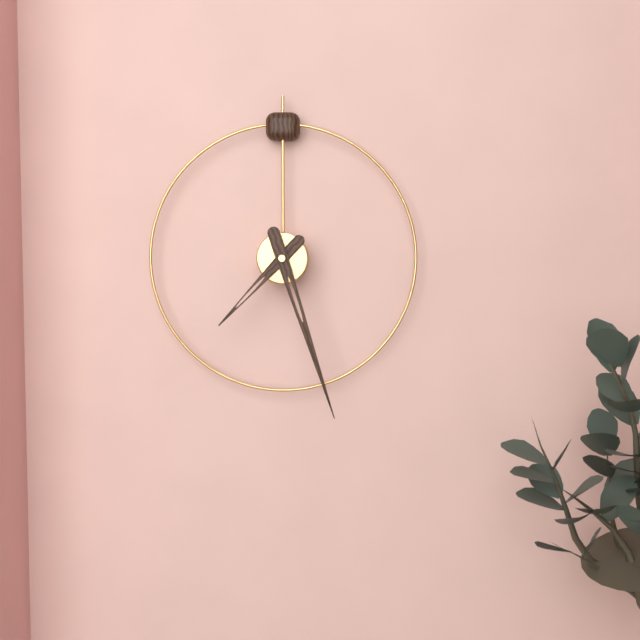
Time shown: 7:27
